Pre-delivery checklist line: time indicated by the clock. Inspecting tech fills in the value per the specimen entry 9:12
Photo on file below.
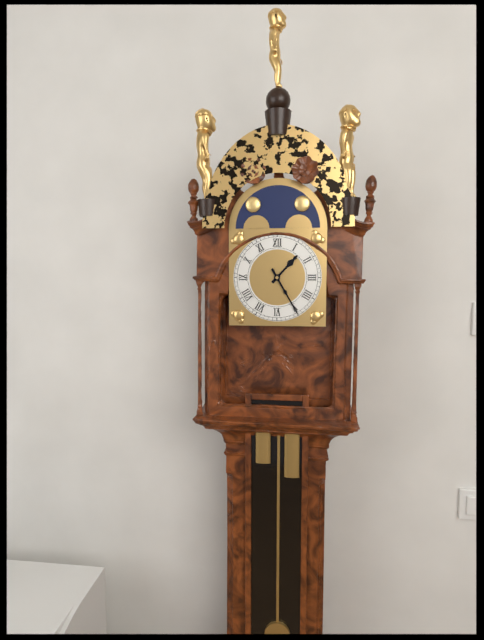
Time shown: 1:25
